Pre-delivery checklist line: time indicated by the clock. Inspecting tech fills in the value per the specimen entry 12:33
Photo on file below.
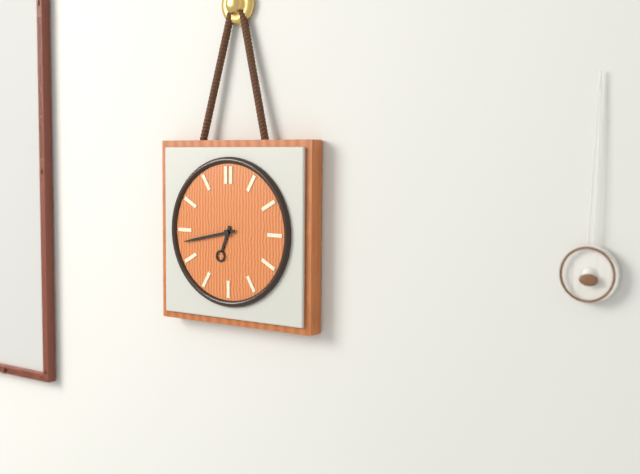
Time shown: 6:43
